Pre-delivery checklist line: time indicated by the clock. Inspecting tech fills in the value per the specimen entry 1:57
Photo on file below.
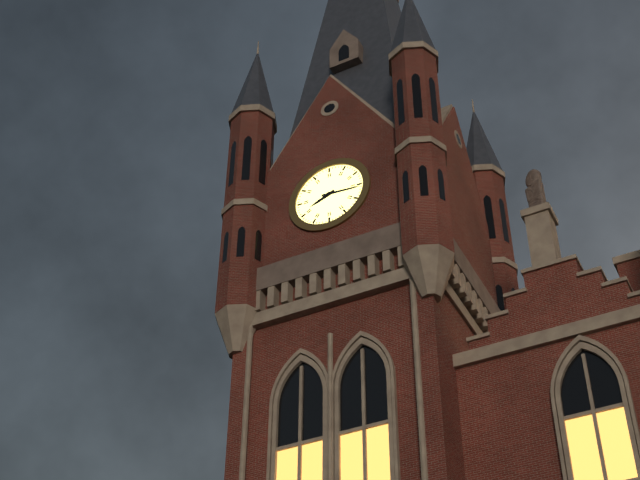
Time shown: 8:16
